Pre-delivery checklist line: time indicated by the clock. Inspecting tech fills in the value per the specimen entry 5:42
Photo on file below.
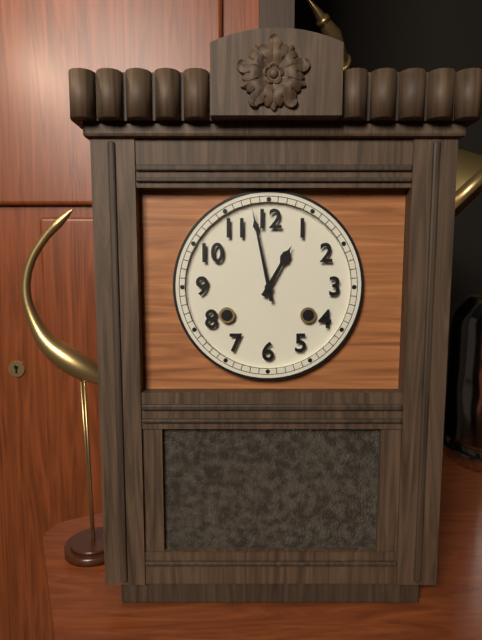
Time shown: 12:58
